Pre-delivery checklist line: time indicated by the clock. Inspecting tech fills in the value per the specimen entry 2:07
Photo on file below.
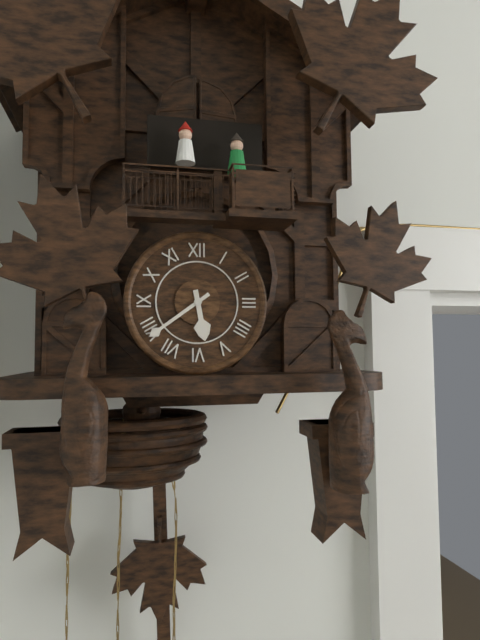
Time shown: 5:39
